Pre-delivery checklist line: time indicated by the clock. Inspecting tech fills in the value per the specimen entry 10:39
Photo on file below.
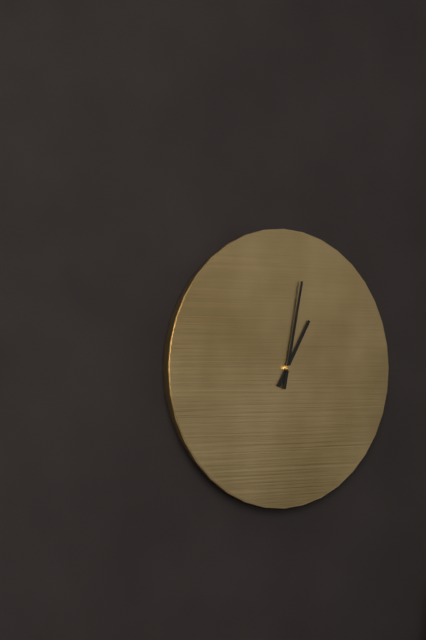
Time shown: 1:02
